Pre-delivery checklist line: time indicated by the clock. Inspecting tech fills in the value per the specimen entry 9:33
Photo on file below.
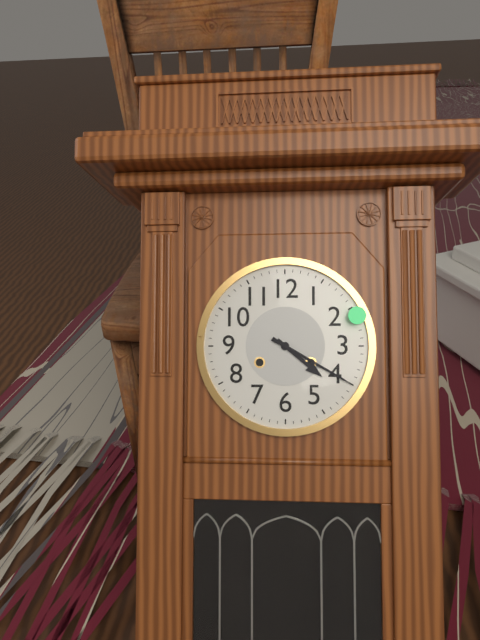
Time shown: 4:20
